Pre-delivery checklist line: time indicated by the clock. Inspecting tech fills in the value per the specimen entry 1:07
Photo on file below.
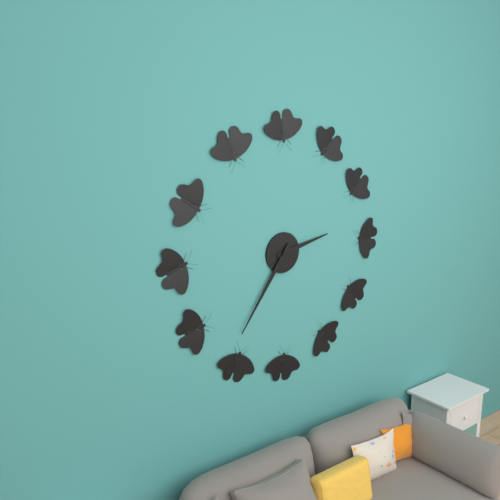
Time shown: 2:36
